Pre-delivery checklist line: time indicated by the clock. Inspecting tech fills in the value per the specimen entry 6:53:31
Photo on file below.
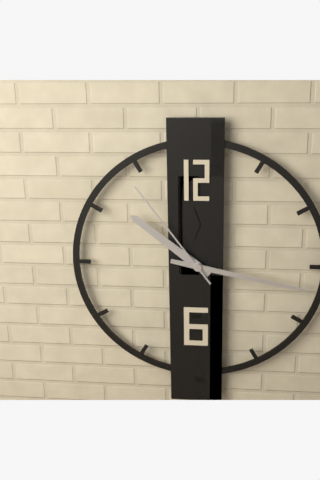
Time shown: 10:17:54
